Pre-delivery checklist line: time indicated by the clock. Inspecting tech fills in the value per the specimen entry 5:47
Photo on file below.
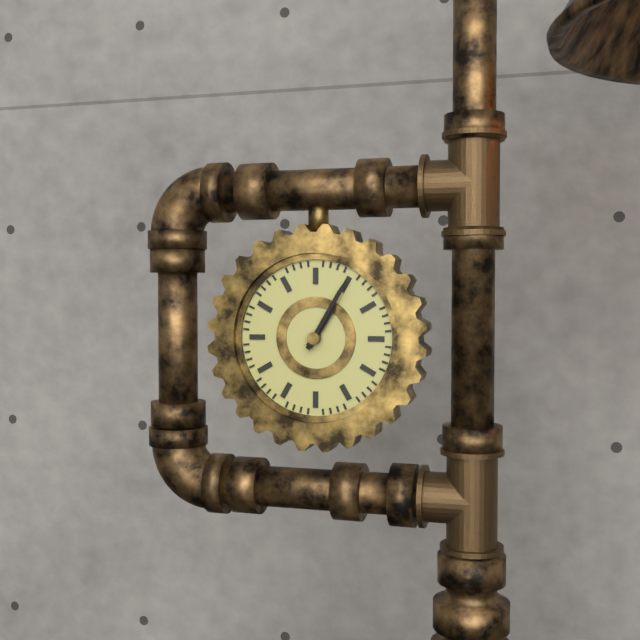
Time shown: 1:05
